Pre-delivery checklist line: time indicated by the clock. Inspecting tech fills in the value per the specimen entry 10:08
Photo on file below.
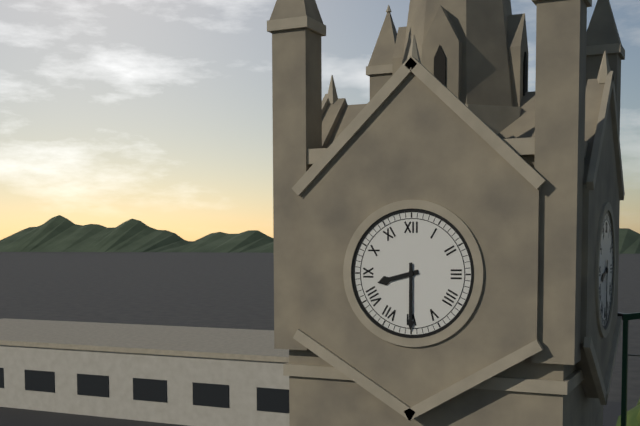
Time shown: 8:30
